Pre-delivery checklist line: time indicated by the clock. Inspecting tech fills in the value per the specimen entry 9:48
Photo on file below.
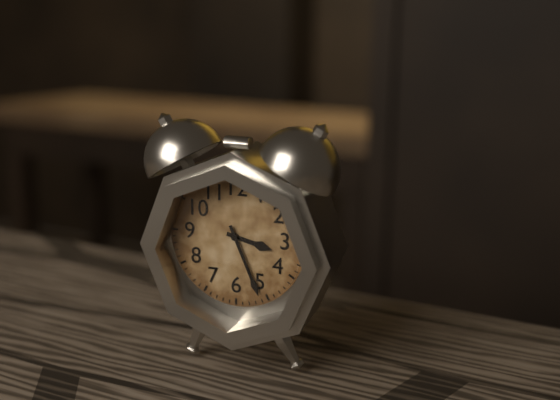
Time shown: 3:26
